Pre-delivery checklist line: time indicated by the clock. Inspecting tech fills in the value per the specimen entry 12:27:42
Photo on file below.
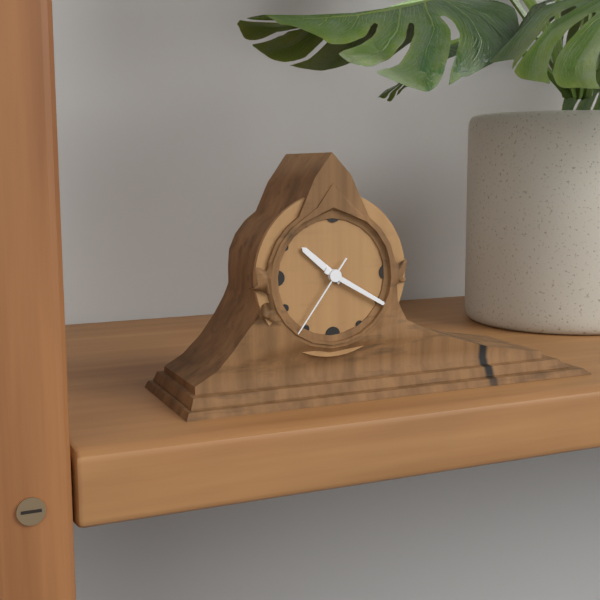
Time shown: 10:20:36
